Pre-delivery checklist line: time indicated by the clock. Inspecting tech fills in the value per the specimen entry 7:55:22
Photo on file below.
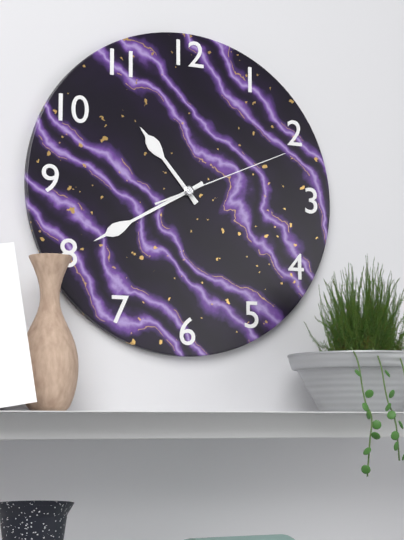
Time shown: 10:40:11
